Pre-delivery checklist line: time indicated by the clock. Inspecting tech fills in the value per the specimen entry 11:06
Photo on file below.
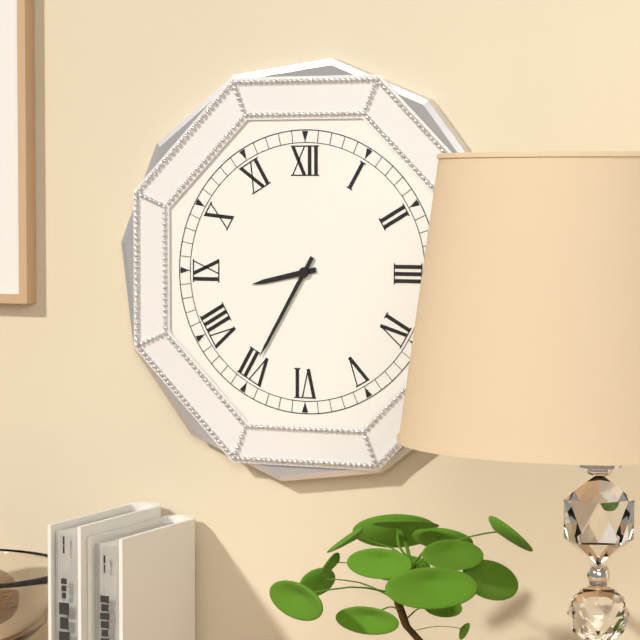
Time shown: 8:35
